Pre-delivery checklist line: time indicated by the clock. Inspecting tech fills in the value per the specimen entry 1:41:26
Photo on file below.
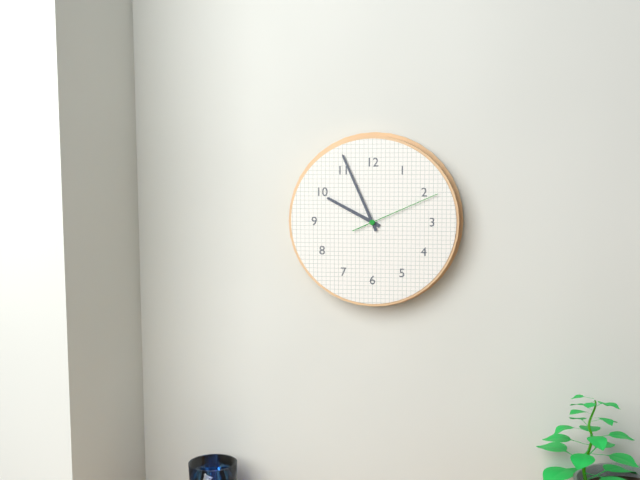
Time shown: 9:56:11
